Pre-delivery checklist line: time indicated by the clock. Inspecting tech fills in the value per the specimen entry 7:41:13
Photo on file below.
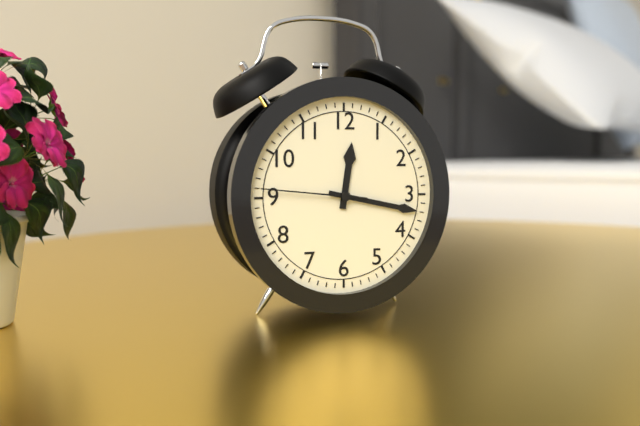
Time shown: 12:17:46
